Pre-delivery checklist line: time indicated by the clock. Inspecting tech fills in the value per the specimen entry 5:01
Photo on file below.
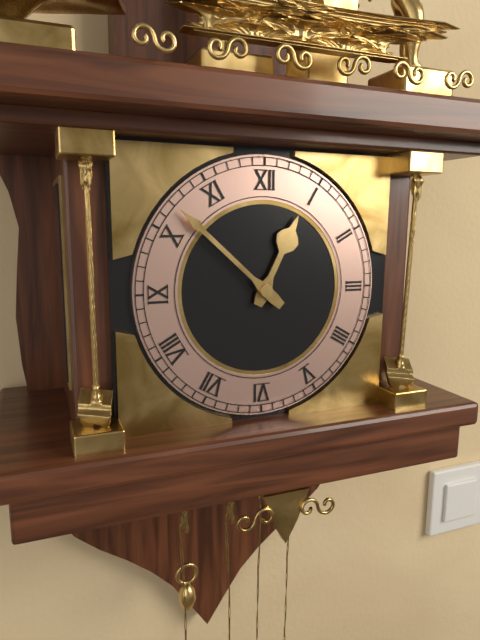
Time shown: 12:52
